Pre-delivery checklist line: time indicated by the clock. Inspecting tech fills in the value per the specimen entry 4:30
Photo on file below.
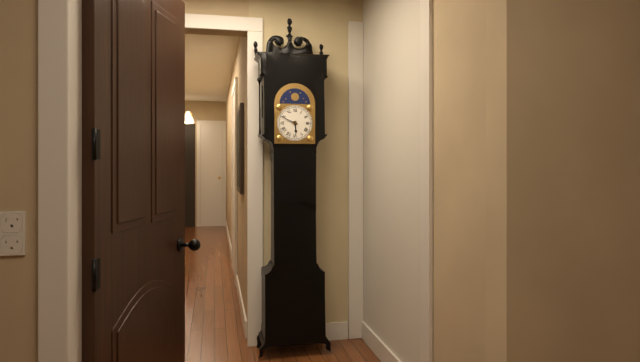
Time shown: 5:49
